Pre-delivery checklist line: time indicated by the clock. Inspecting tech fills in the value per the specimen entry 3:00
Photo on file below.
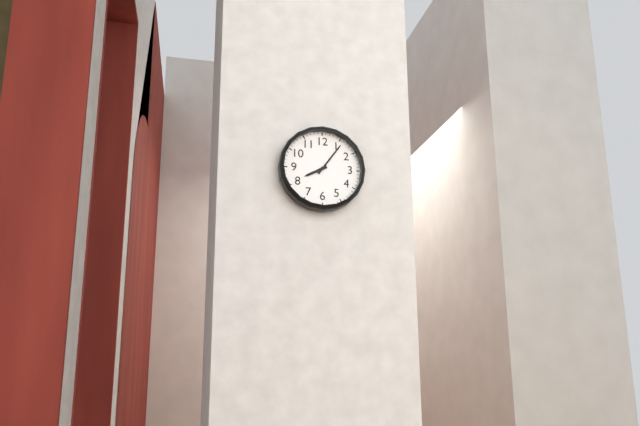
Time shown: 8:06
